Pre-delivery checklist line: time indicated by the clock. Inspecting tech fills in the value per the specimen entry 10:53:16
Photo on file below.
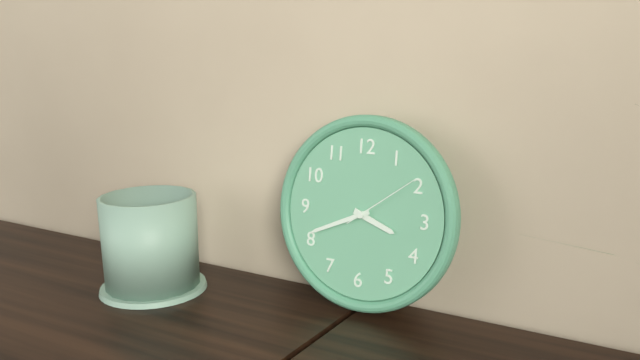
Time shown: 3:41:09
